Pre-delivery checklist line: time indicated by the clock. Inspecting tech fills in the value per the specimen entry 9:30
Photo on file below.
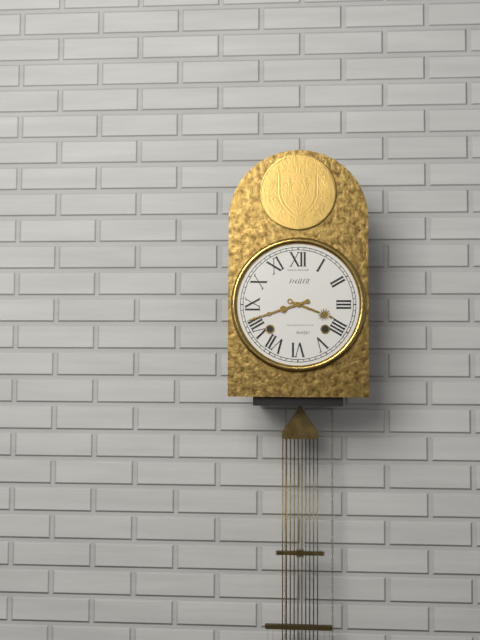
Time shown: 3:42
